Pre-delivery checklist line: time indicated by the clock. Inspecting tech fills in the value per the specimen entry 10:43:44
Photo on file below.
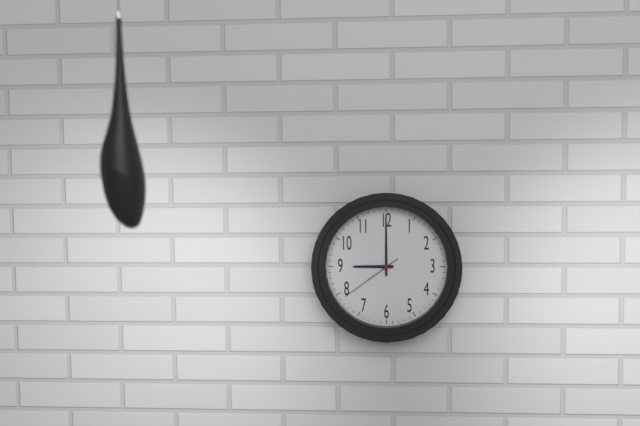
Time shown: 9:00:39
